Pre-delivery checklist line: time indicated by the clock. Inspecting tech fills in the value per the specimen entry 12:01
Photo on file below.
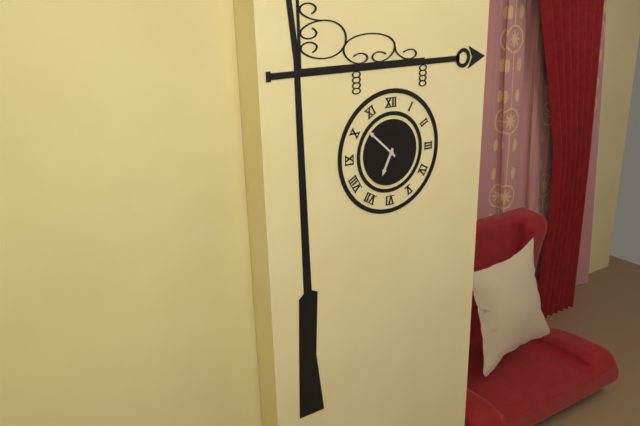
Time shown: 6:52
